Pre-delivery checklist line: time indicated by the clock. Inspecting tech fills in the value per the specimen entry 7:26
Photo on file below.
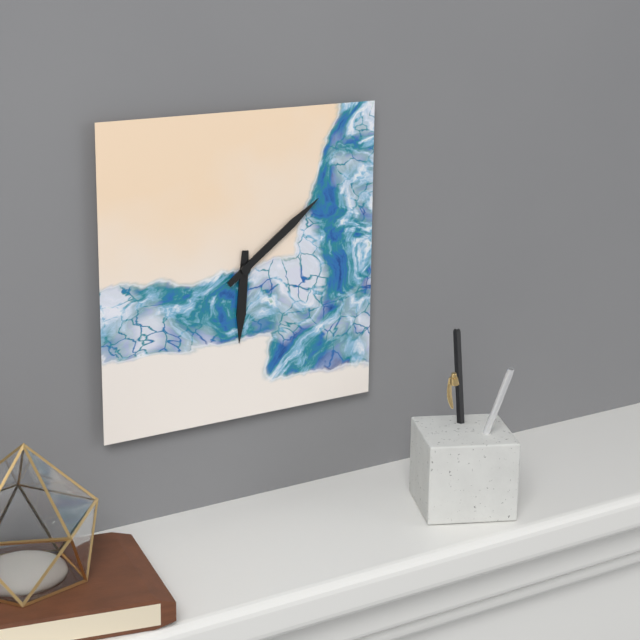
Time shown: 6:09
